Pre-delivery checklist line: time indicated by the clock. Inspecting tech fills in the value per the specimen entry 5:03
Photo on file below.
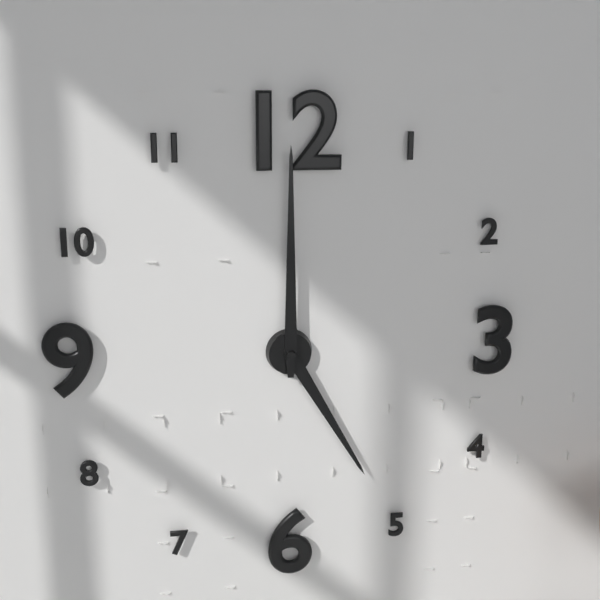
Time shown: 5:00
